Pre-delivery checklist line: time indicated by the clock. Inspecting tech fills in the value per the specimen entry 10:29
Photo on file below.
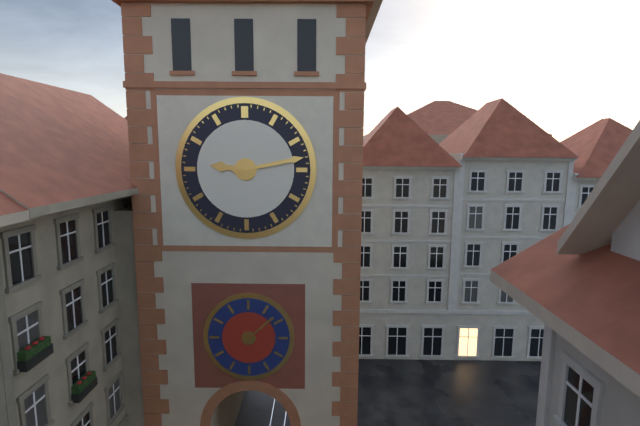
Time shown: 9:13
